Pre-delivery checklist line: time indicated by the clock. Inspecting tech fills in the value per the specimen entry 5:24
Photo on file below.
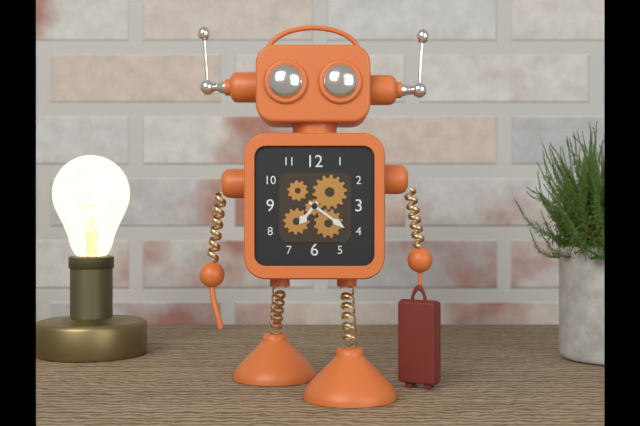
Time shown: 7:21
